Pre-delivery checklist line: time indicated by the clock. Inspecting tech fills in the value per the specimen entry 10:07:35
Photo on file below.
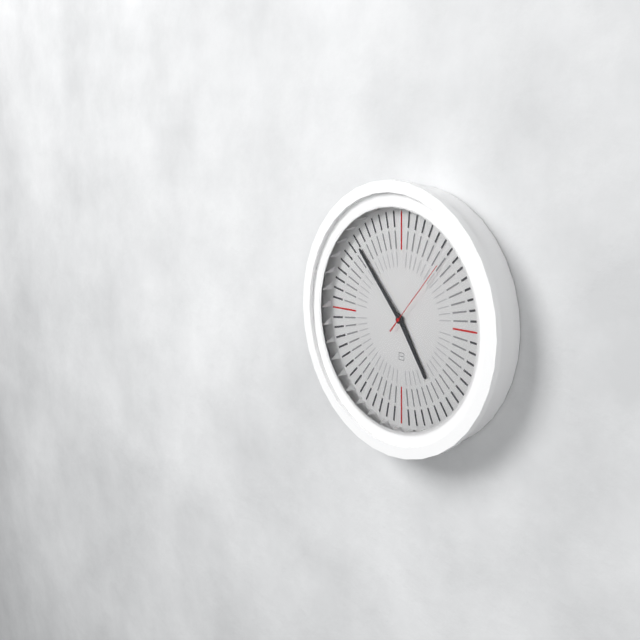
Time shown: 4:53:07
